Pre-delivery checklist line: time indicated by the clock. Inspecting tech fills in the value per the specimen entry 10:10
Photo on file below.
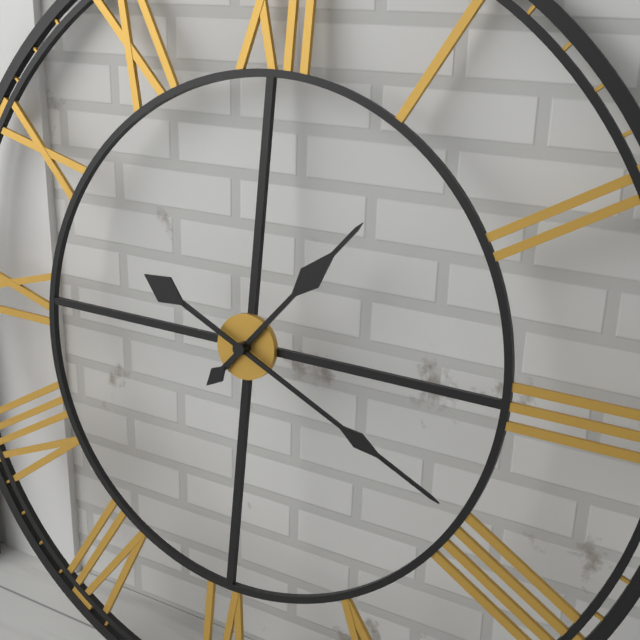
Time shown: 1:19
